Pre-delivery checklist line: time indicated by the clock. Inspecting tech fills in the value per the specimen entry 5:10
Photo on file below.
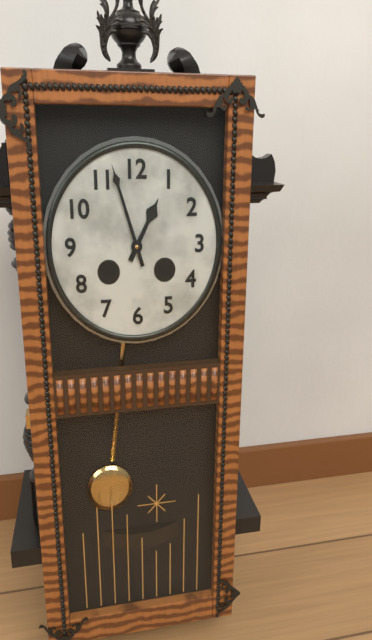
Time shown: 12:57
